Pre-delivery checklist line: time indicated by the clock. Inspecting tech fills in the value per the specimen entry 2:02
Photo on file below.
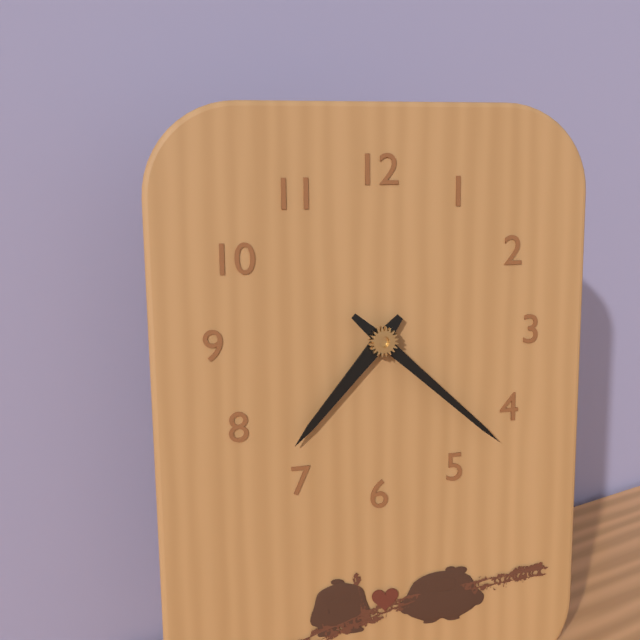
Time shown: 7:22
